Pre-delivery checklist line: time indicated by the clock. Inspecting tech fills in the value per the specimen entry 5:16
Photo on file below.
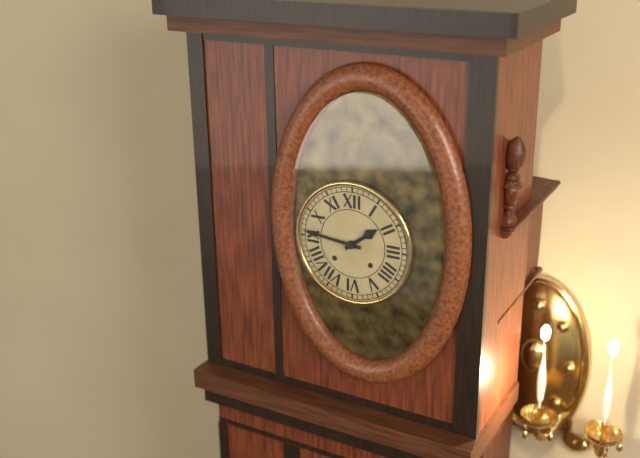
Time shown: 1:46
